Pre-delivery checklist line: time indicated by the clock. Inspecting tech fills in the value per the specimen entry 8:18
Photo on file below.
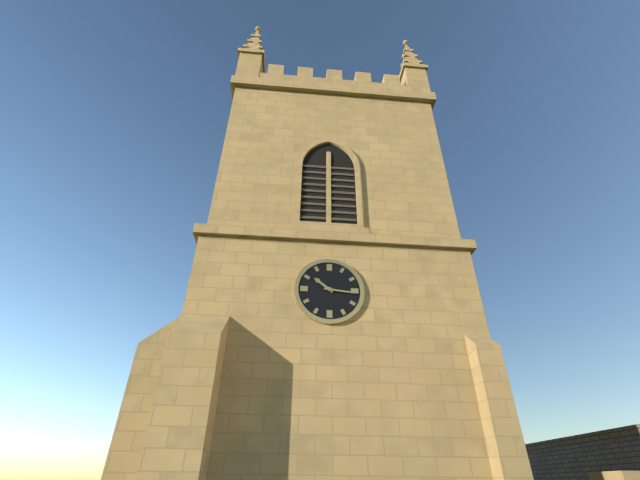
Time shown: 10:16
